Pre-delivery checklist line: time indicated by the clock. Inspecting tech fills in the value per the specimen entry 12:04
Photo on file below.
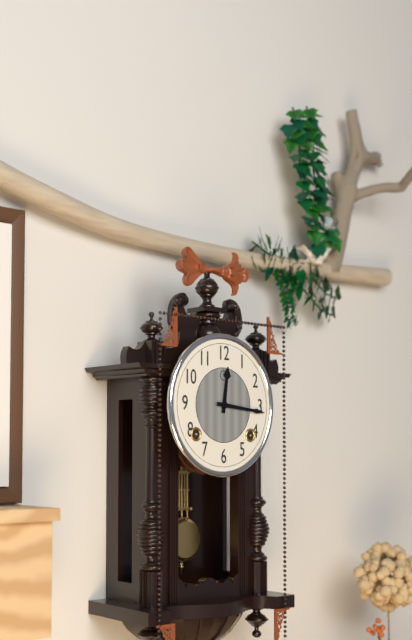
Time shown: 12:16
